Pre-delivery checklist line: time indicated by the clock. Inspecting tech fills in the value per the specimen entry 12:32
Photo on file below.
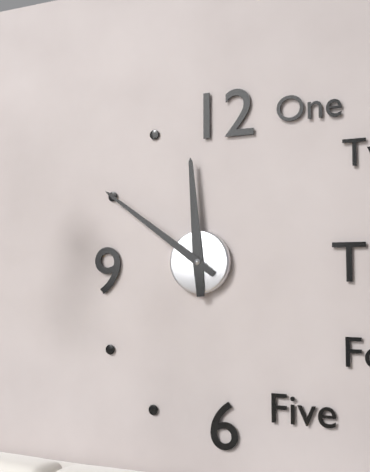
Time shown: 11:51
